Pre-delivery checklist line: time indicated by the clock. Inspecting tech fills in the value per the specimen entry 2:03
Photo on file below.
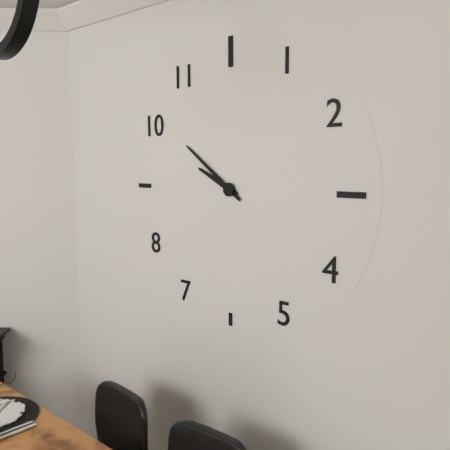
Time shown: 9:51
